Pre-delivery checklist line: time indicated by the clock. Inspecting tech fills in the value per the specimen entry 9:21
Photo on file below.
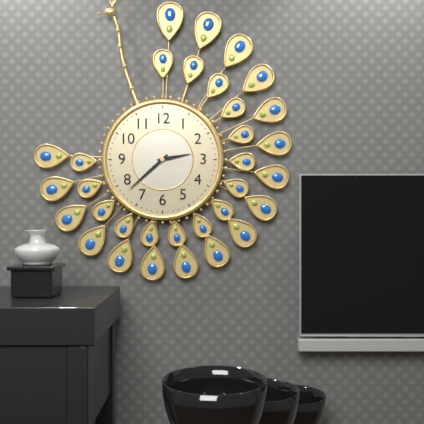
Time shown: 2:38
